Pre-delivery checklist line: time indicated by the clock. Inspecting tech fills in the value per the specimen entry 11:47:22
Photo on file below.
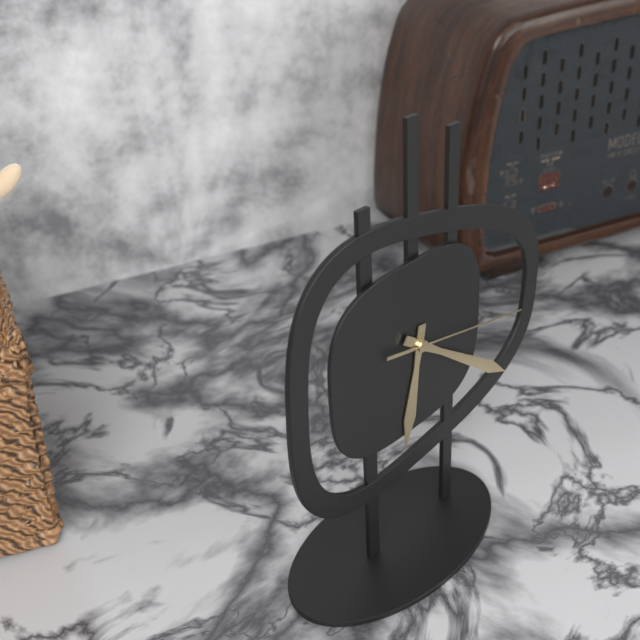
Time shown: 6:21:17
